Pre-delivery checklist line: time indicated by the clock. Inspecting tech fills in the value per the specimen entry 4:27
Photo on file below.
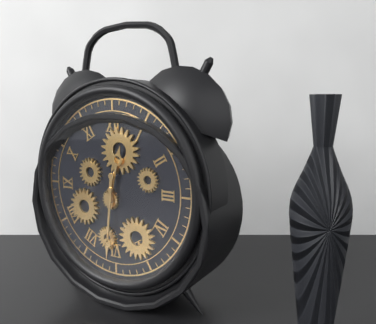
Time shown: 12:31
